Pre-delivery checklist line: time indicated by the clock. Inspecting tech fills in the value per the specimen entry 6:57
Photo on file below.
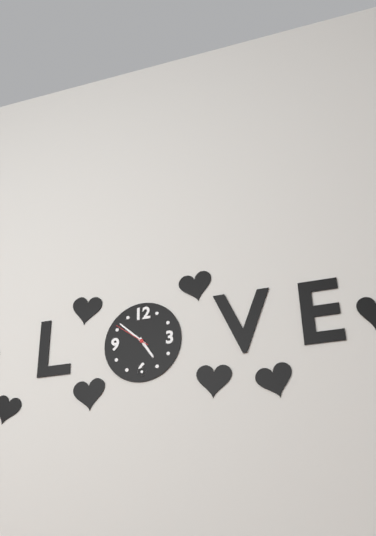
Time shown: 4:52
